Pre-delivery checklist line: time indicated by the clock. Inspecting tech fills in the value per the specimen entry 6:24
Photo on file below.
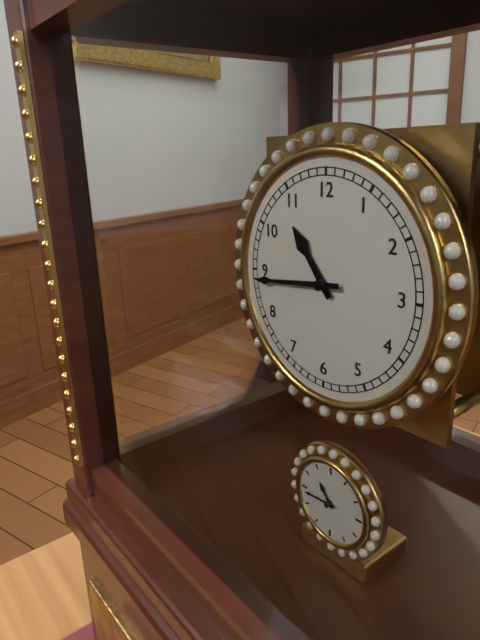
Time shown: 10:44
